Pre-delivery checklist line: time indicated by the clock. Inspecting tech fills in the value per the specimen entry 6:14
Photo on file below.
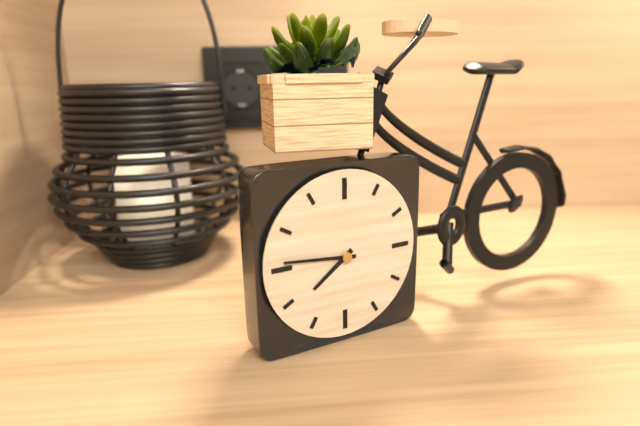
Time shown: 7:46
